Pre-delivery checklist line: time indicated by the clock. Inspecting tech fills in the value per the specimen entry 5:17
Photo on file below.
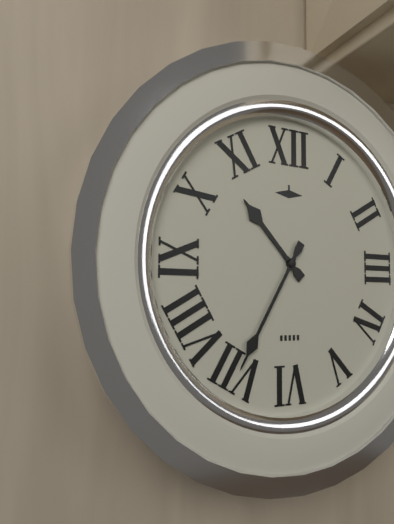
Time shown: 10:35
